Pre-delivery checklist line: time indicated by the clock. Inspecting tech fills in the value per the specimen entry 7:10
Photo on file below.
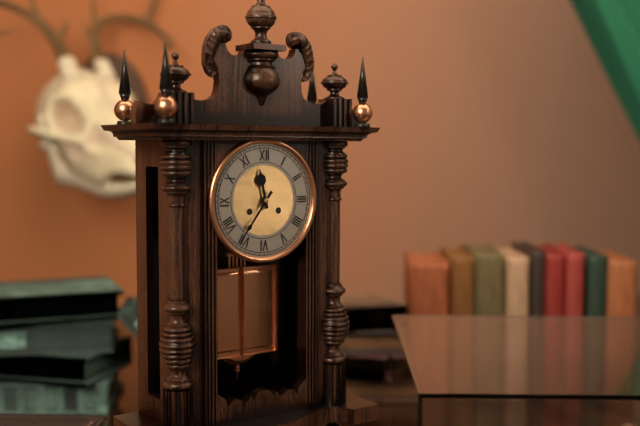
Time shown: 11:36
